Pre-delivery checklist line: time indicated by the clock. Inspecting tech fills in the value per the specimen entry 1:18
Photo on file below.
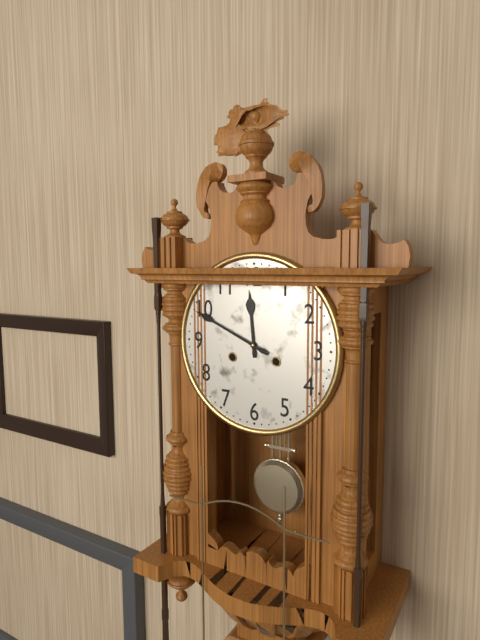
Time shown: 11:49
